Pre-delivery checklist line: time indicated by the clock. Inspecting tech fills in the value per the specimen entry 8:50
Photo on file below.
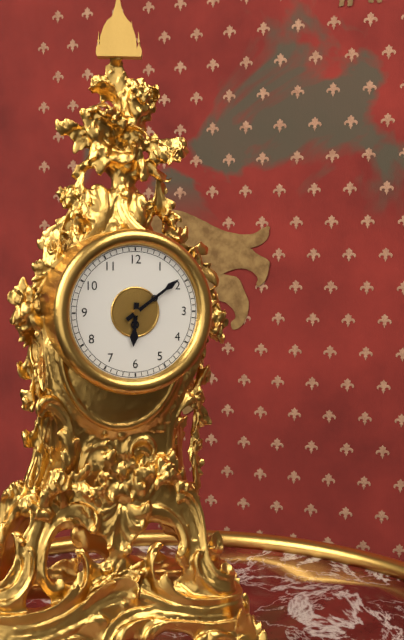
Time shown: 6:09
